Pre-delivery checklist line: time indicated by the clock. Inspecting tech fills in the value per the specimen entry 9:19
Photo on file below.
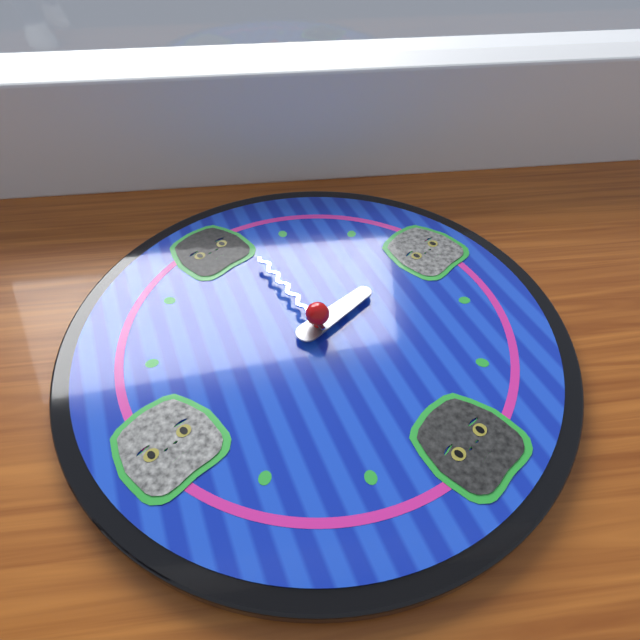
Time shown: 3:02
